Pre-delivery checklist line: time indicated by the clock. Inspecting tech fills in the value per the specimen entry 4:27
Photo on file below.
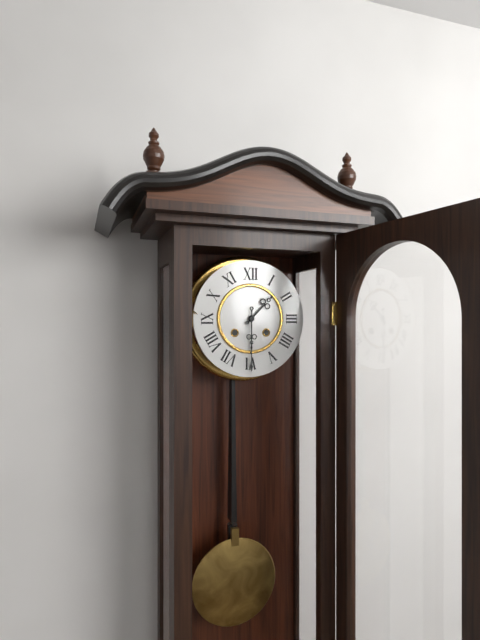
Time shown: 1:30
